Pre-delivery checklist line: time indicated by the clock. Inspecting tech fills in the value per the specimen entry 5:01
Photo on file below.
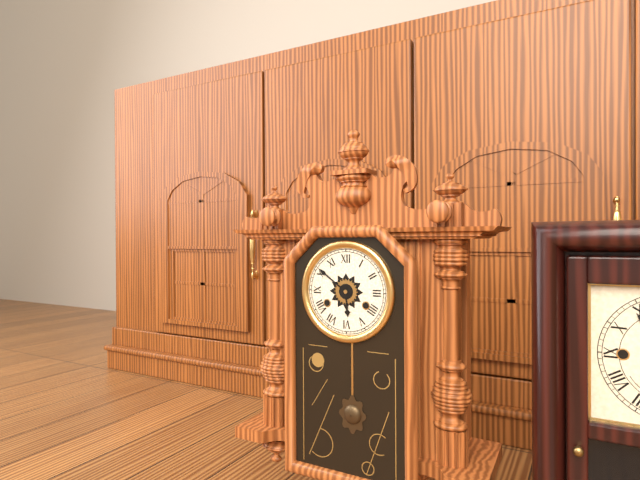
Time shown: 5:51
